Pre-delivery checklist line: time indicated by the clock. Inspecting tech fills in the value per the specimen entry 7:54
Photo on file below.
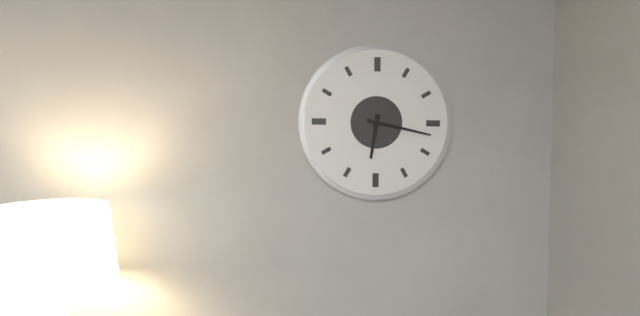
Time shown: 6:17
